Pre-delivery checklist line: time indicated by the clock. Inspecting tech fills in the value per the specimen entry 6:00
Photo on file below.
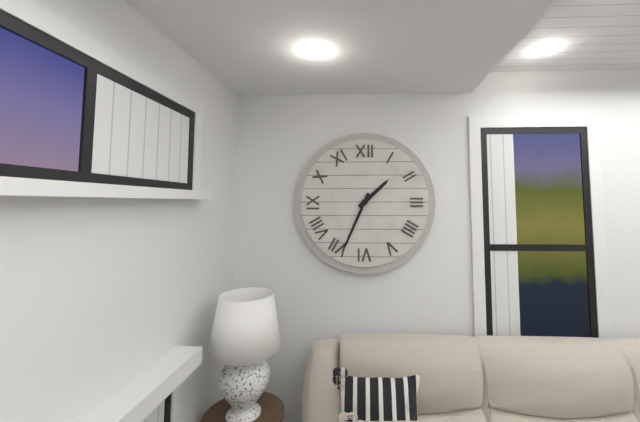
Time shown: 1:34
